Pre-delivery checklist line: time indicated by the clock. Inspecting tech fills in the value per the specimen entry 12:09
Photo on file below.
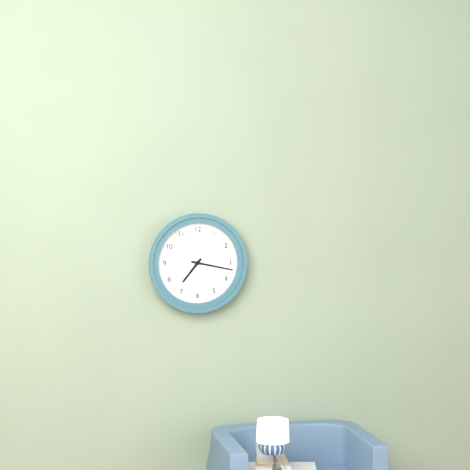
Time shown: 7:17
